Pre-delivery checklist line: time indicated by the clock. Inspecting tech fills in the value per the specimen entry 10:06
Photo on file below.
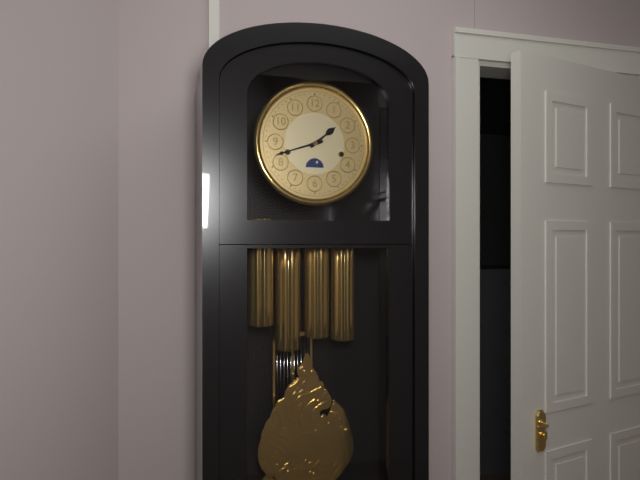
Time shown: 1:42
